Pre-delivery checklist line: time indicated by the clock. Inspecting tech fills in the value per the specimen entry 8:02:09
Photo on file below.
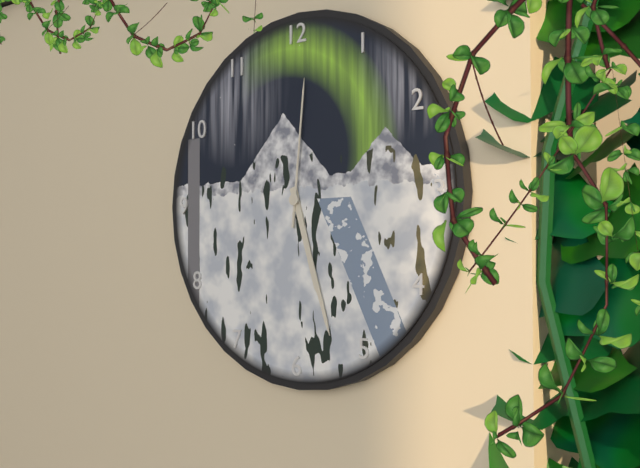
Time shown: 5:27:01
